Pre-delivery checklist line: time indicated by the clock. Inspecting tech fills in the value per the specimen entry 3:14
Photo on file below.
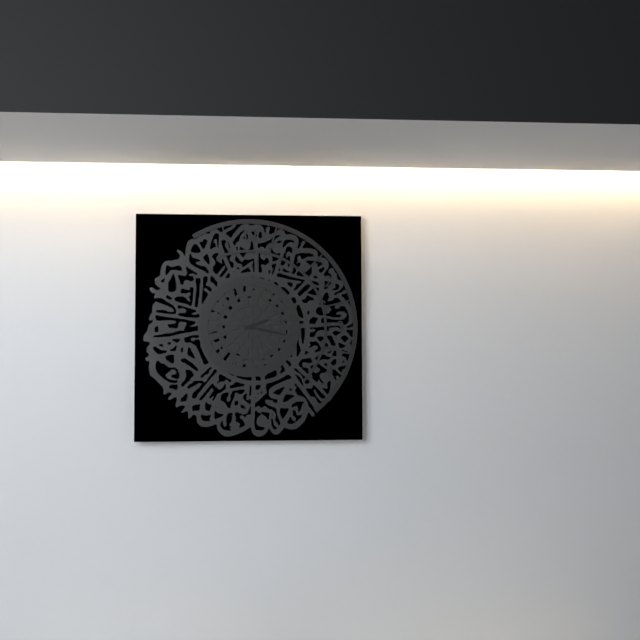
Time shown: 2:17
